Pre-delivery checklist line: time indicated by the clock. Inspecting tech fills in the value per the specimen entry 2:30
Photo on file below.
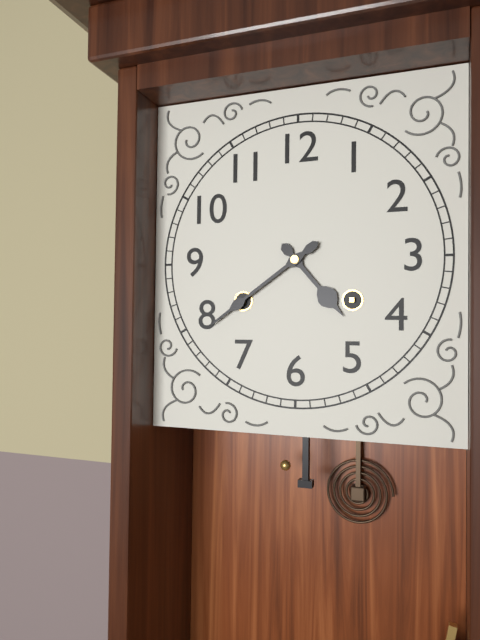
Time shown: 4:39
